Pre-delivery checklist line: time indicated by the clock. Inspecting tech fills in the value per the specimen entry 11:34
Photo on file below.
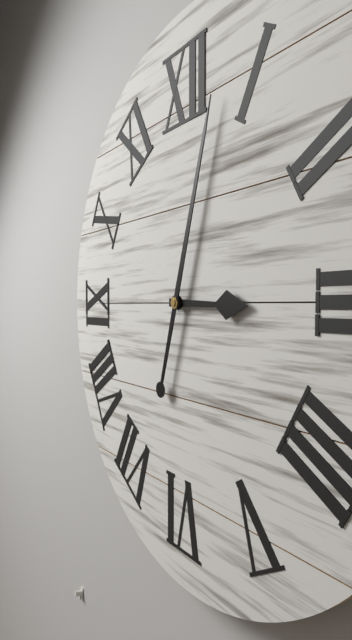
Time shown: 3:03
